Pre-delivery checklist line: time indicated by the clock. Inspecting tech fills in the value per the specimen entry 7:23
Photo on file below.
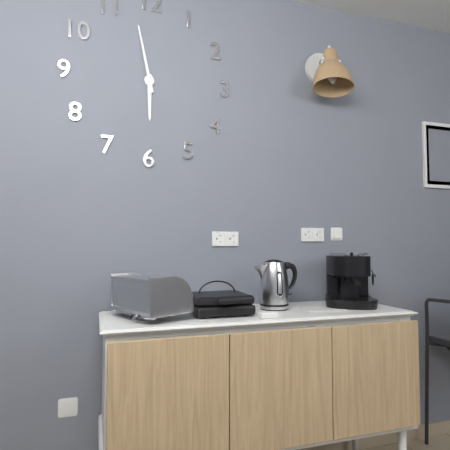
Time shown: 5:58
